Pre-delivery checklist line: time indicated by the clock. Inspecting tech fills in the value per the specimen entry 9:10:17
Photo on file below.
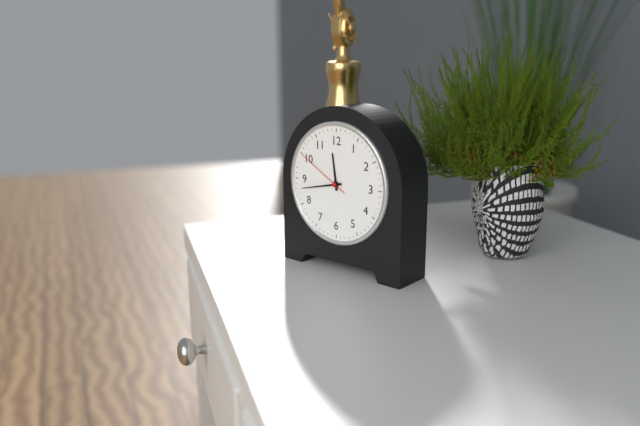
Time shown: 11:43:50
